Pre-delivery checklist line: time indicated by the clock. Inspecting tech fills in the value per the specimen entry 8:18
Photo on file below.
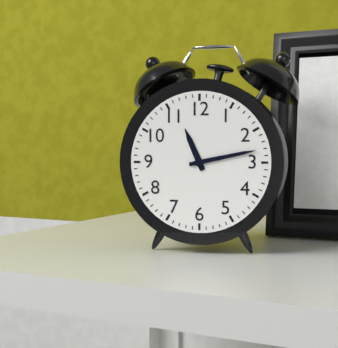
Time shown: 11:13
